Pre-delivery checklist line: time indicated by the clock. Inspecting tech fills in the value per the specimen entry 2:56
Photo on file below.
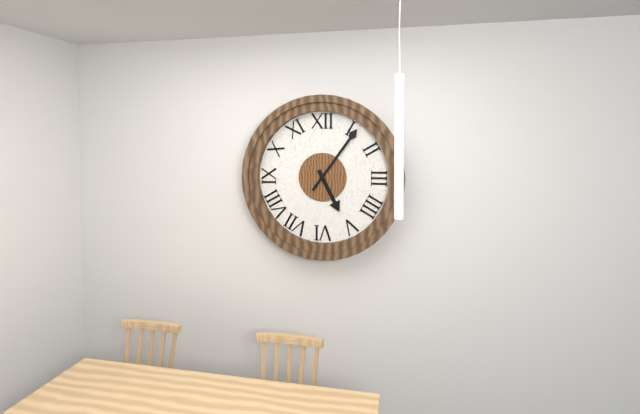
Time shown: 5:06
